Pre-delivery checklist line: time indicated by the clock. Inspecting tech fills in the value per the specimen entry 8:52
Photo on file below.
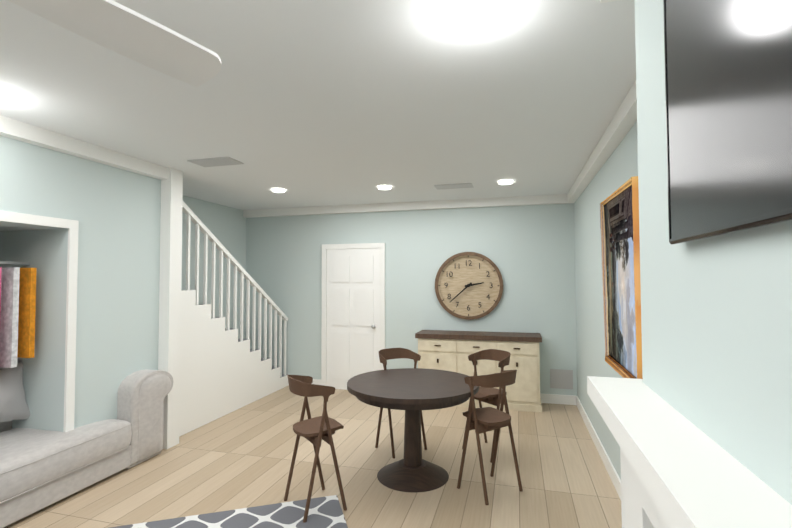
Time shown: 2:38
